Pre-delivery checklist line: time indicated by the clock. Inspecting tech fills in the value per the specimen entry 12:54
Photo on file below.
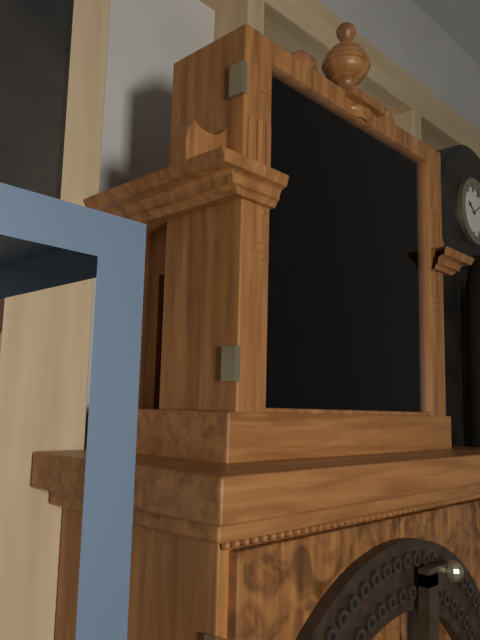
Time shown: 4:42
